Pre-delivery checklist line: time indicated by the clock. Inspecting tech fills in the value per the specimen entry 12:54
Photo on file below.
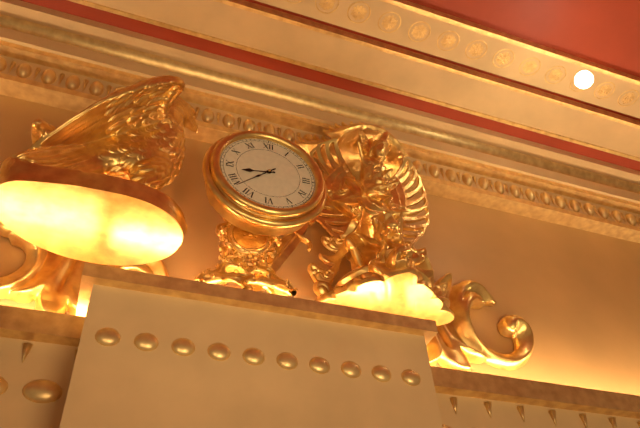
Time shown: 8:38
